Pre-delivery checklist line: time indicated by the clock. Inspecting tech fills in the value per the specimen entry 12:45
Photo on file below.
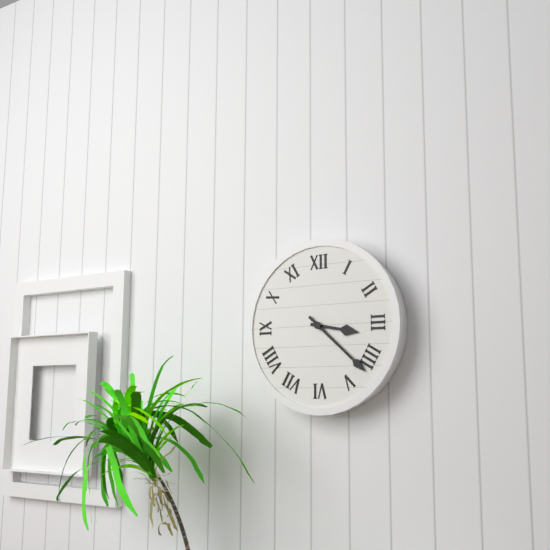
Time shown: 3:22
